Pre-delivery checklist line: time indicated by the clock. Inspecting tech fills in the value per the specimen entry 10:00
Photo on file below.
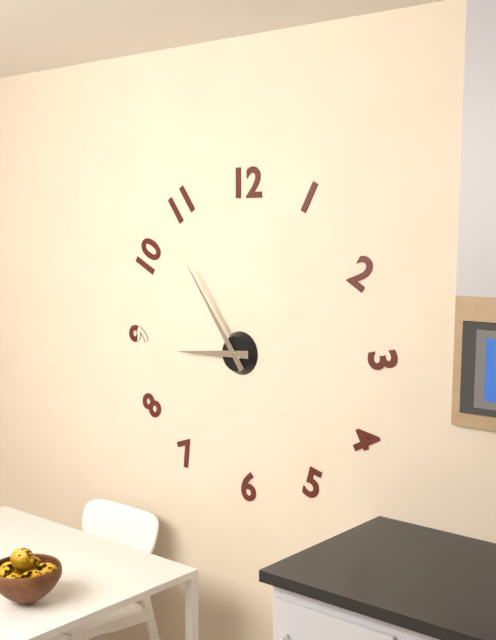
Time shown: 8:54
